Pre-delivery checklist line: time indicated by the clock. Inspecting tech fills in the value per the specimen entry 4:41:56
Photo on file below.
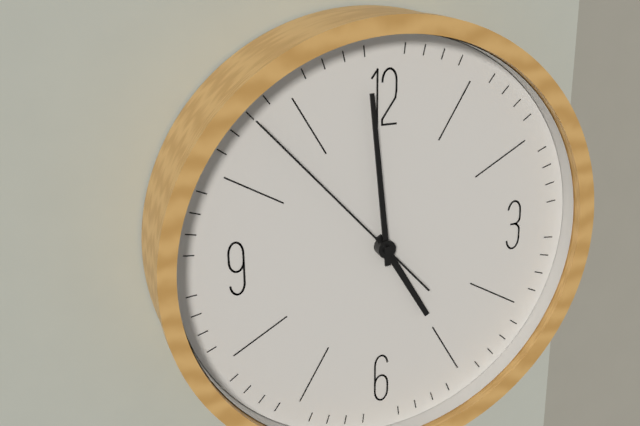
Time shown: 4:59:53
